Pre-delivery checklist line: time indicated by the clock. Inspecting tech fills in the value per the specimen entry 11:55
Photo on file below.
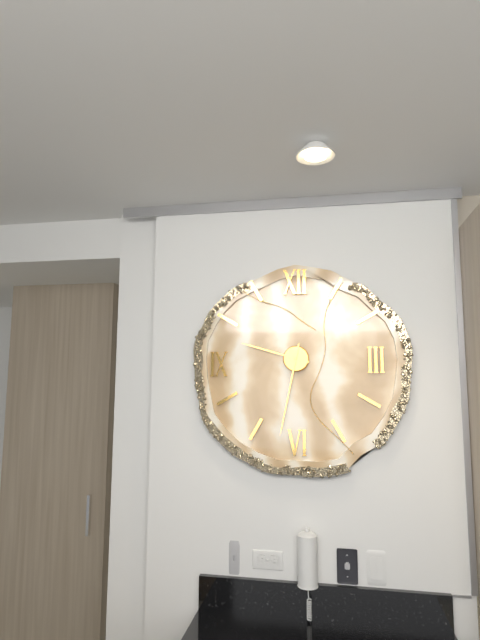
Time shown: 9:32
